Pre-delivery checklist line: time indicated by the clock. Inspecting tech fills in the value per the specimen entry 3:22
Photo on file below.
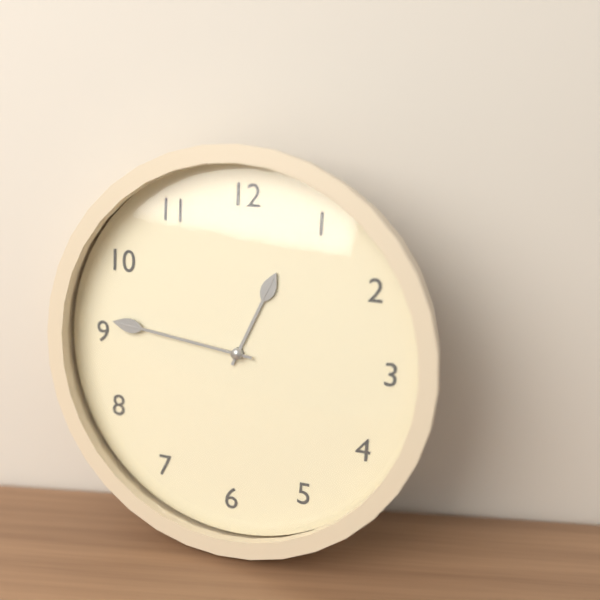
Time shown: 12:46
